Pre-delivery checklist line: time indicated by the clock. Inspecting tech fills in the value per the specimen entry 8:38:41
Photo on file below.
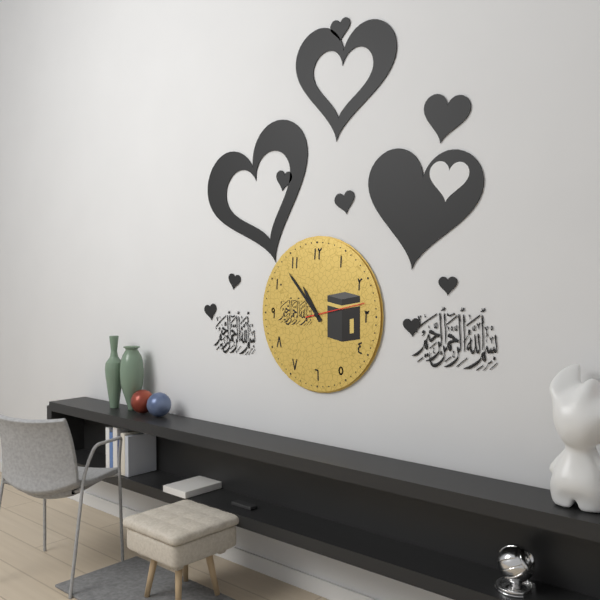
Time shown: 10:53:13
